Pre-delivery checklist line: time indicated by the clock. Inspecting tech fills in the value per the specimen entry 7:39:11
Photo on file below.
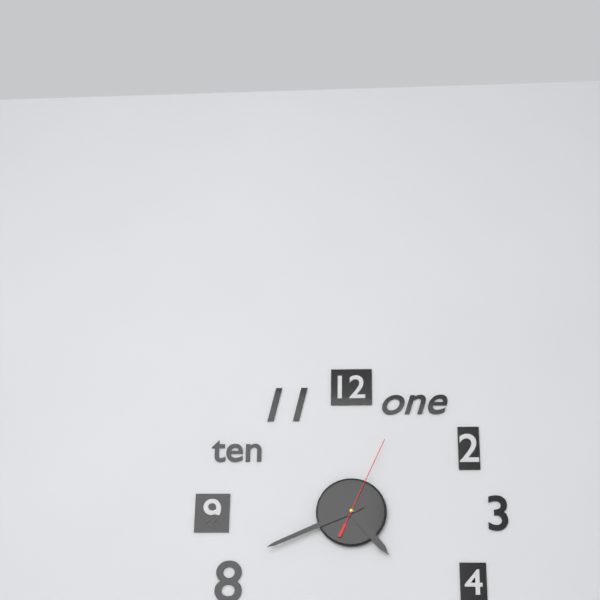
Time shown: 4:41:04
